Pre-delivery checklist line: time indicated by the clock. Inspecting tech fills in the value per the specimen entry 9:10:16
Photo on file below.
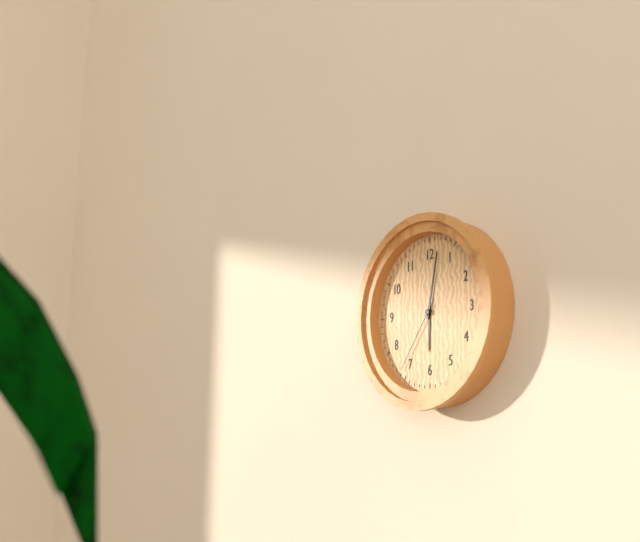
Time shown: 6:02:36
